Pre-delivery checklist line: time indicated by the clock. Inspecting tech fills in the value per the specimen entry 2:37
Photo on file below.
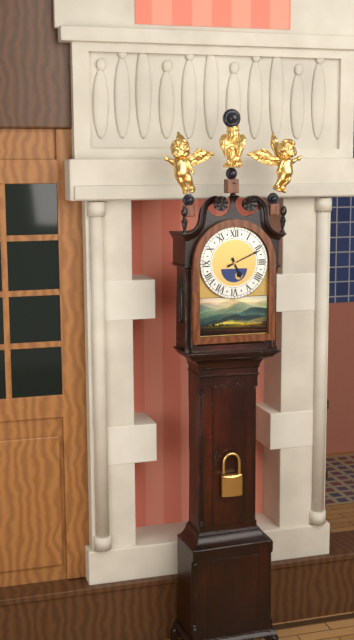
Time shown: 5:11
